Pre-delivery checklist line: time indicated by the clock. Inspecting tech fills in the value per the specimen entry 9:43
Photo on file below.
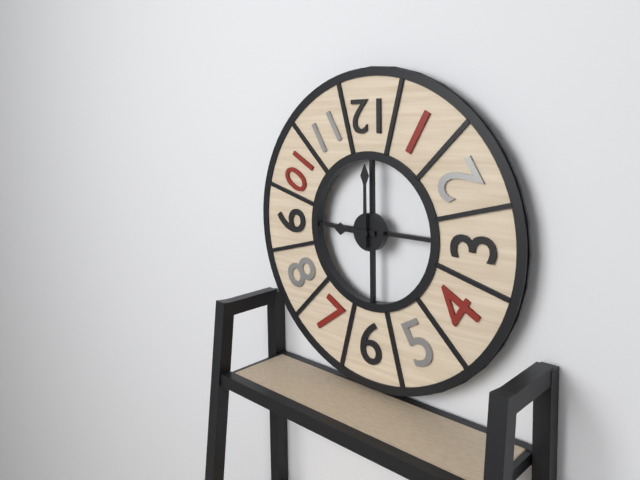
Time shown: 9:00
